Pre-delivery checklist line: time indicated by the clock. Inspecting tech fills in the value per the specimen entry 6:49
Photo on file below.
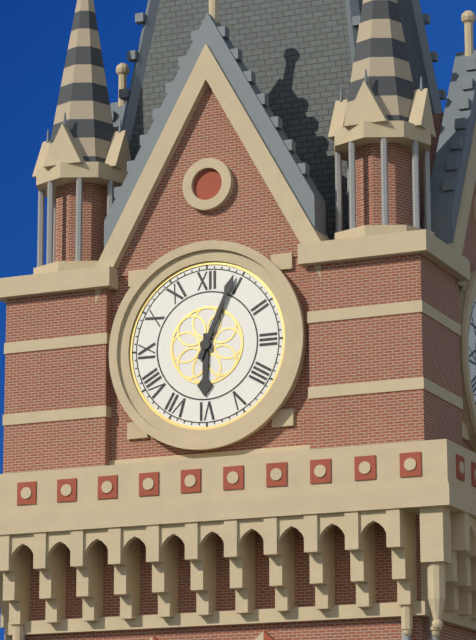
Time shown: 6:04
